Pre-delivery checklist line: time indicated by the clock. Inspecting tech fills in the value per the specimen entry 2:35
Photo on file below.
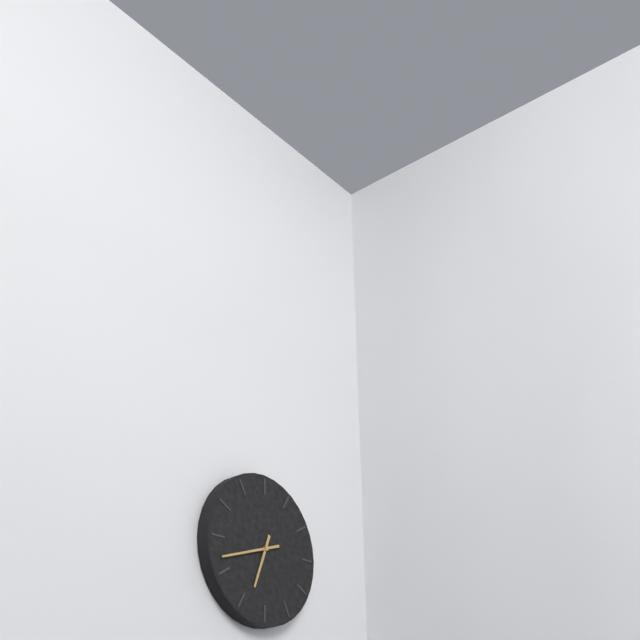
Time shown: 6:42
